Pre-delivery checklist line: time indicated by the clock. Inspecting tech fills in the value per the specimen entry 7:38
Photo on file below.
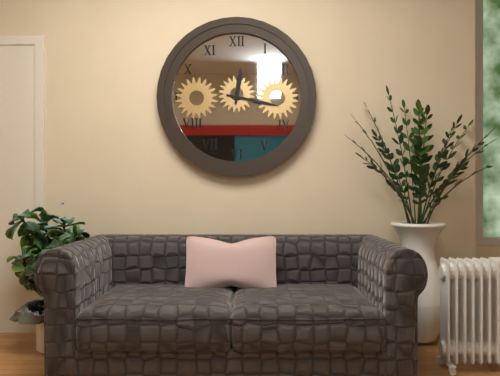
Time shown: 12:17
